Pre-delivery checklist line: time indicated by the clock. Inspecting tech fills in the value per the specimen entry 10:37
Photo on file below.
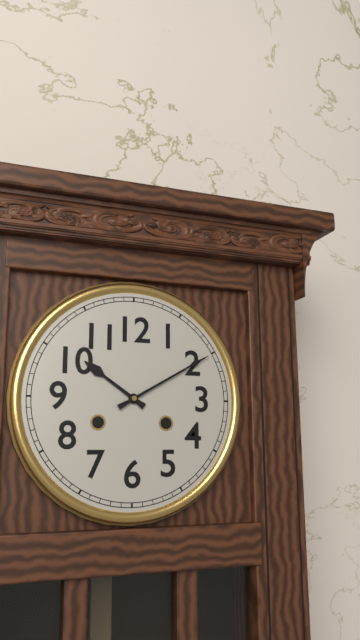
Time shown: 10:10
